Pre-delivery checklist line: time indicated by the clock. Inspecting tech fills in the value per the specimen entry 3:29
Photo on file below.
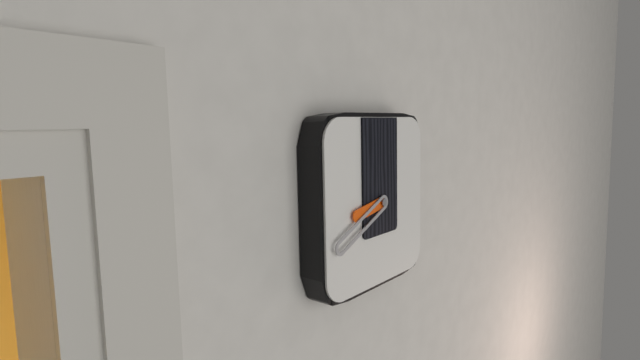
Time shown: 8:41
